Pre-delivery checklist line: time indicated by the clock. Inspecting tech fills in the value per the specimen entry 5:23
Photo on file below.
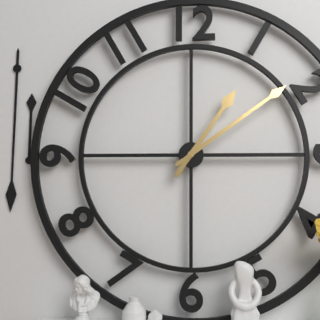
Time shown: 1:09
